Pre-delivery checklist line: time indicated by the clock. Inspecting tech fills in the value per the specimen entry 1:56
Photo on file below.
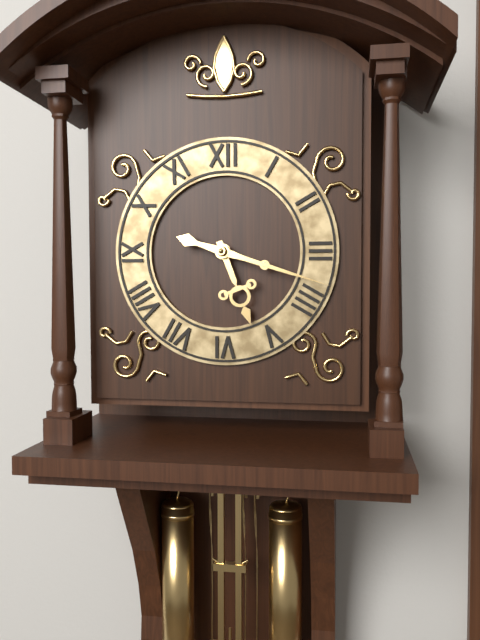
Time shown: 5:18
